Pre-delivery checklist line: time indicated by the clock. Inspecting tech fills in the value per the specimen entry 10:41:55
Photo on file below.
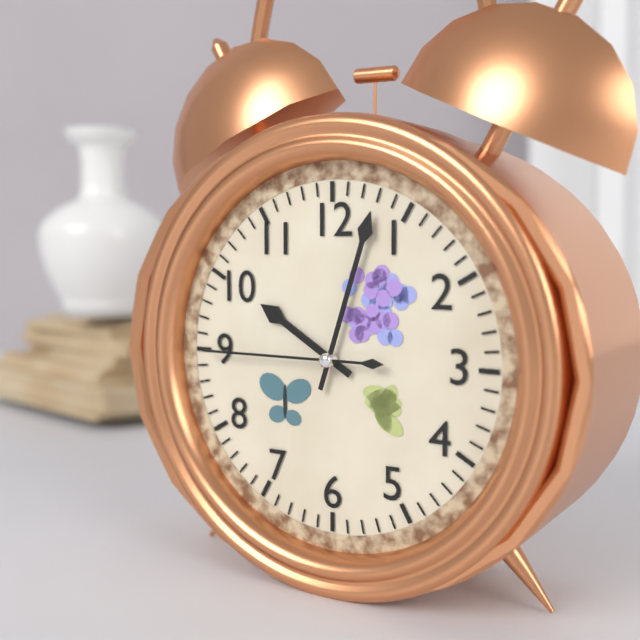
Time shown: 10:03:45
